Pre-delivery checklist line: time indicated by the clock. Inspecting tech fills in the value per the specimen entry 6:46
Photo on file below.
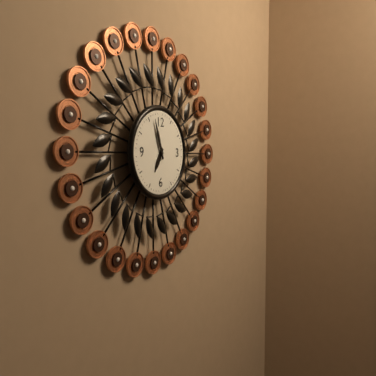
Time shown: 6:57
